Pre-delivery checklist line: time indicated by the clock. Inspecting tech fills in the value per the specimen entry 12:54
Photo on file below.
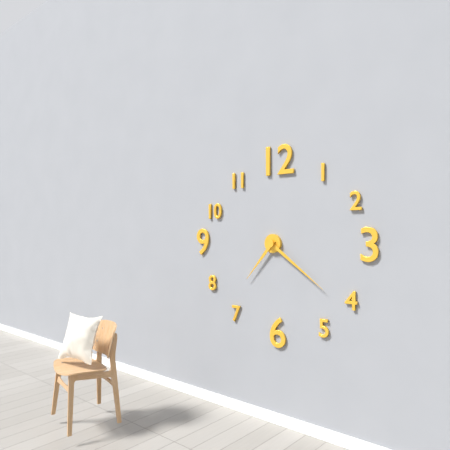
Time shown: 7:21
